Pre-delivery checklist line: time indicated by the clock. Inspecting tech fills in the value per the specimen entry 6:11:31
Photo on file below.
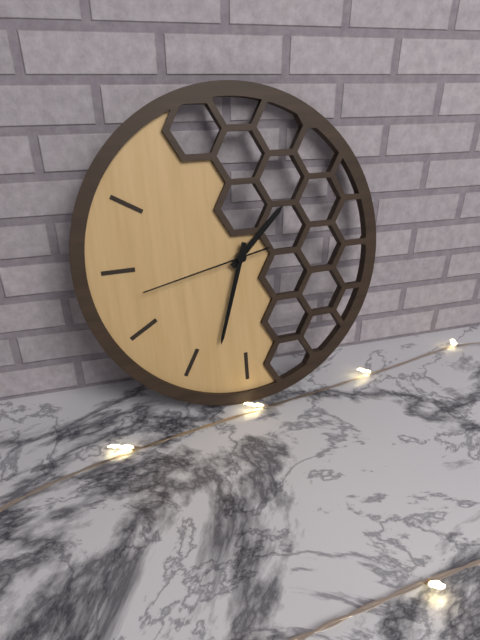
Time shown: 1:33:43
